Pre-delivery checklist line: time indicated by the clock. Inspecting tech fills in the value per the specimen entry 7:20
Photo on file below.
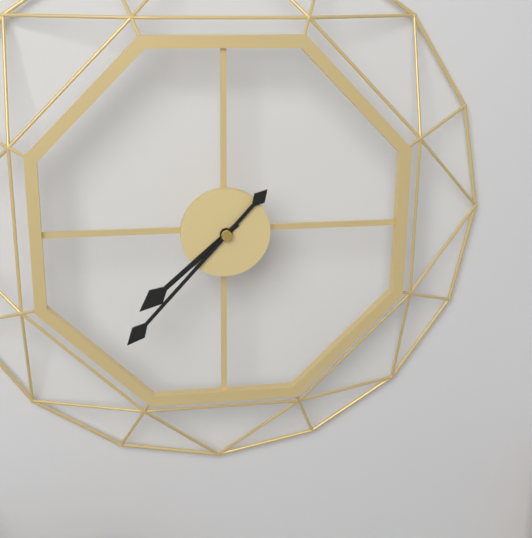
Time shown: 7:37
